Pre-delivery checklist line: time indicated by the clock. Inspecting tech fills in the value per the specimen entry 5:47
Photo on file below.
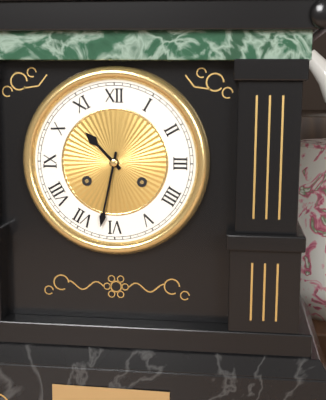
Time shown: 10:32
